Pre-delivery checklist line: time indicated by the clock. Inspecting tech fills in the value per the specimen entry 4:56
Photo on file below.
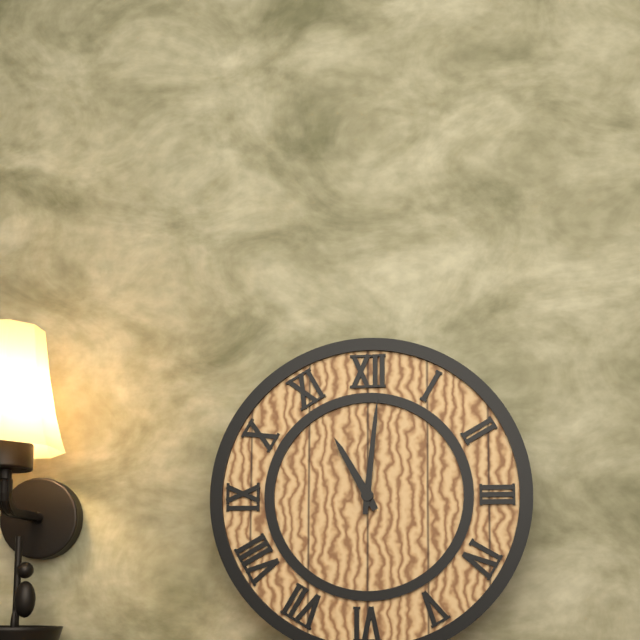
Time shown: 11:01
